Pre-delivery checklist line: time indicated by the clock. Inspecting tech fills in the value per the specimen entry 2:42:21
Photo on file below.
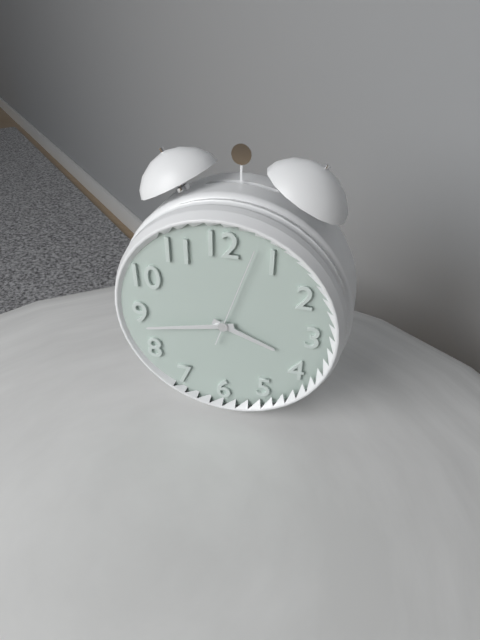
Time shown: 3:43:03
